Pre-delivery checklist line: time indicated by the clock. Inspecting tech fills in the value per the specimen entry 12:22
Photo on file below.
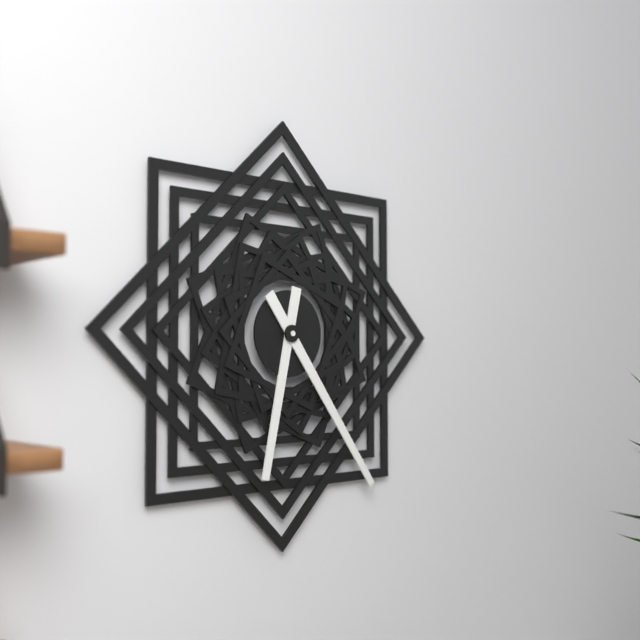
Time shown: 6:24
